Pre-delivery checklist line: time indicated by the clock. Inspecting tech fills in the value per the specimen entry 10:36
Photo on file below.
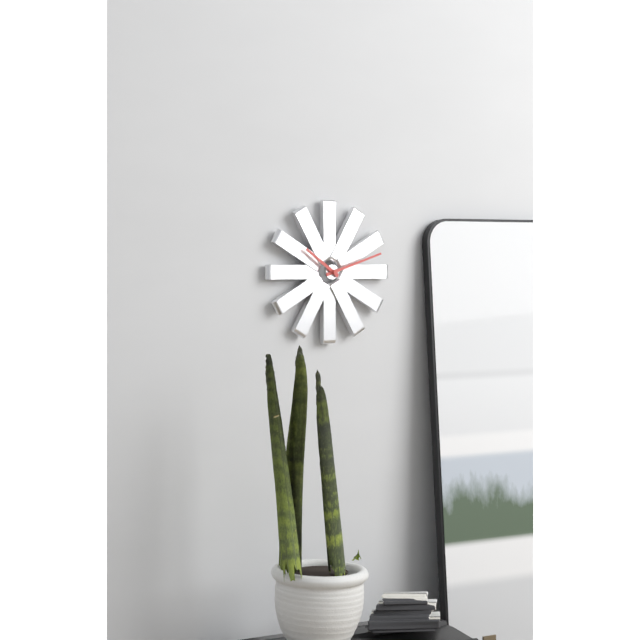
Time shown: 10:12
